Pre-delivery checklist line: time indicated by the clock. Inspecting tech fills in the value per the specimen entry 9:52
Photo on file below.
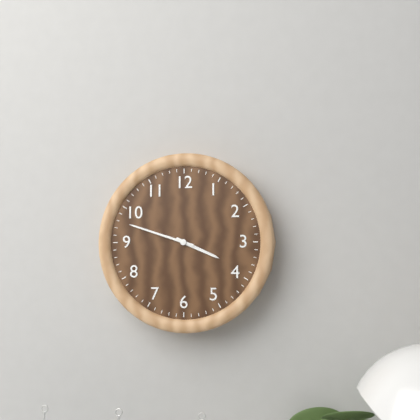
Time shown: 3:48
